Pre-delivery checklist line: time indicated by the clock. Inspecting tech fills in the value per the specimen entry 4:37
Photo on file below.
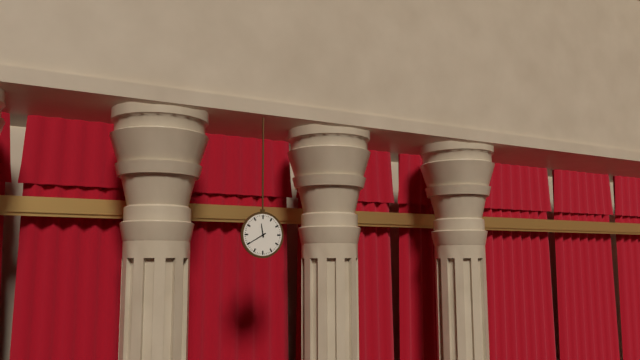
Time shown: 11:40
